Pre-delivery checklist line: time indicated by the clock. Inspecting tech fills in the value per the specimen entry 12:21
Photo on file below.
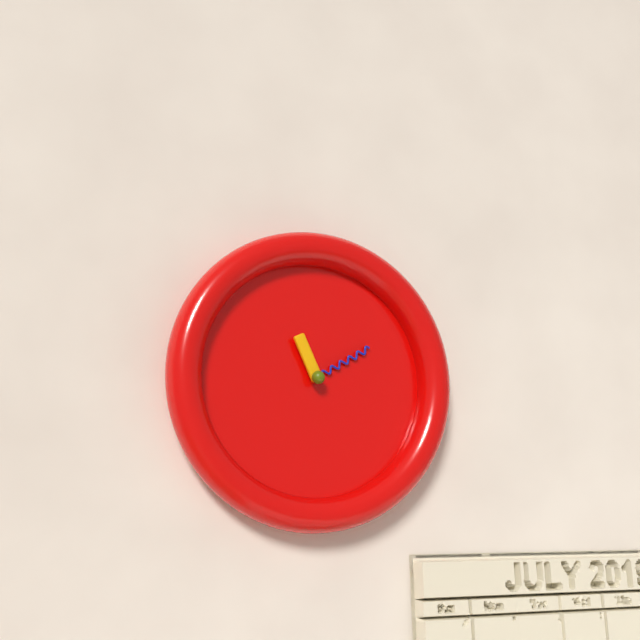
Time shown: 11:10
